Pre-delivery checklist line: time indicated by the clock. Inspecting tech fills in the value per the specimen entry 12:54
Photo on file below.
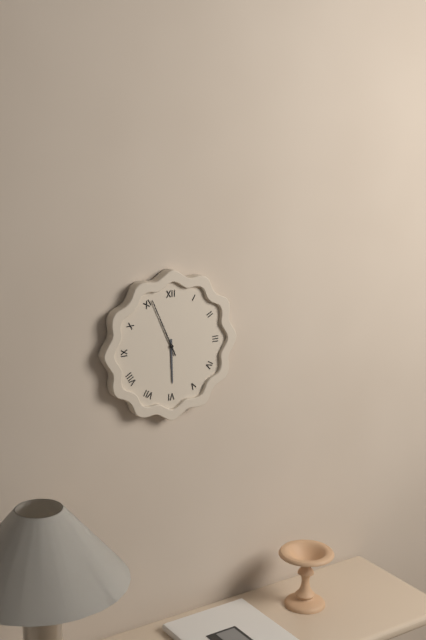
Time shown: 5:56
